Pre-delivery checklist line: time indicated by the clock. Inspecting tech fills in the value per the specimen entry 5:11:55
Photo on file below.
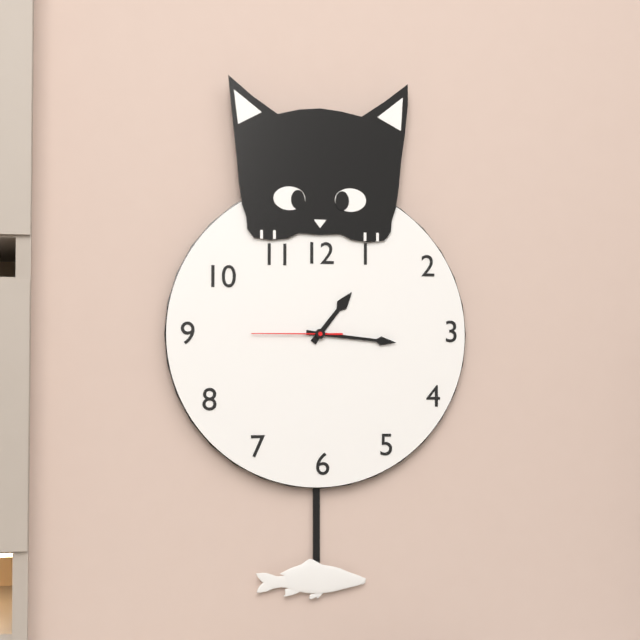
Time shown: 1:16:45
